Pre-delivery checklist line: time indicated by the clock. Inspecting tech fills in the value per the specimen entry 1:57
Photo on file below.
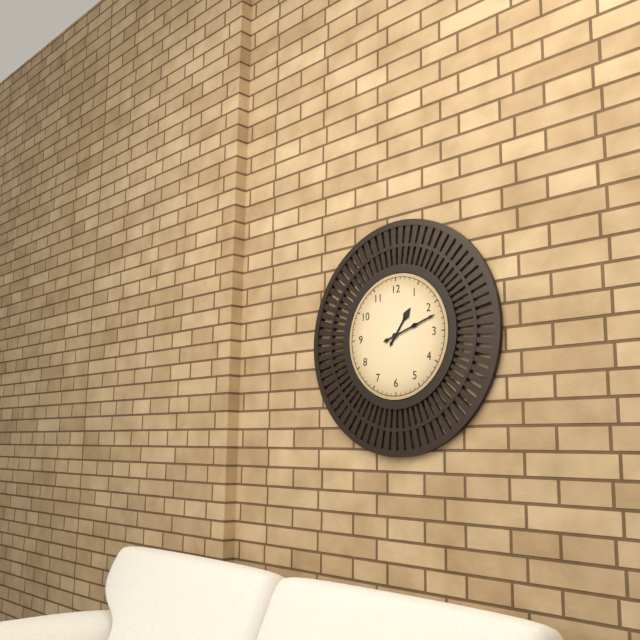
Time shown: 1:12
